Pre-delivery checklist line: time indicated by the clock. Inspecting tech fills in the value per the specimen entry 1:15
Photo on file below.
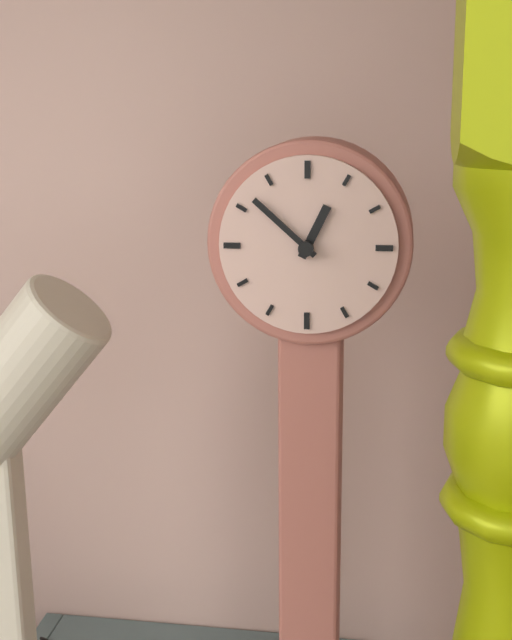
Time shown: 12:52
